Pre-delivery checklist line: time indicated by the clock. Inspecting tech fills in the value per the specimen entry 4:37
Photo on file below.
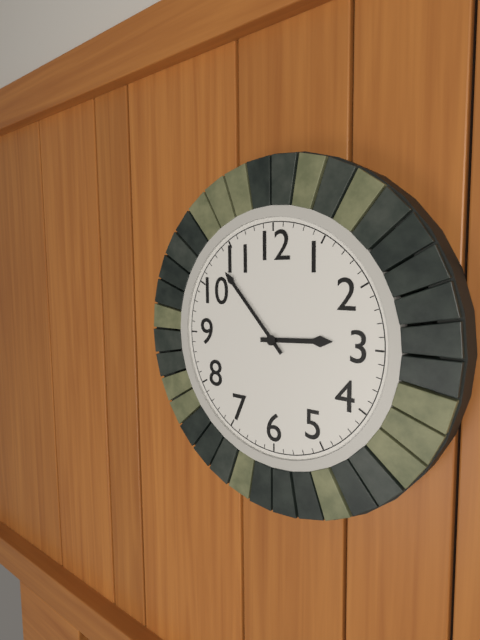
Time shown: 2:53
